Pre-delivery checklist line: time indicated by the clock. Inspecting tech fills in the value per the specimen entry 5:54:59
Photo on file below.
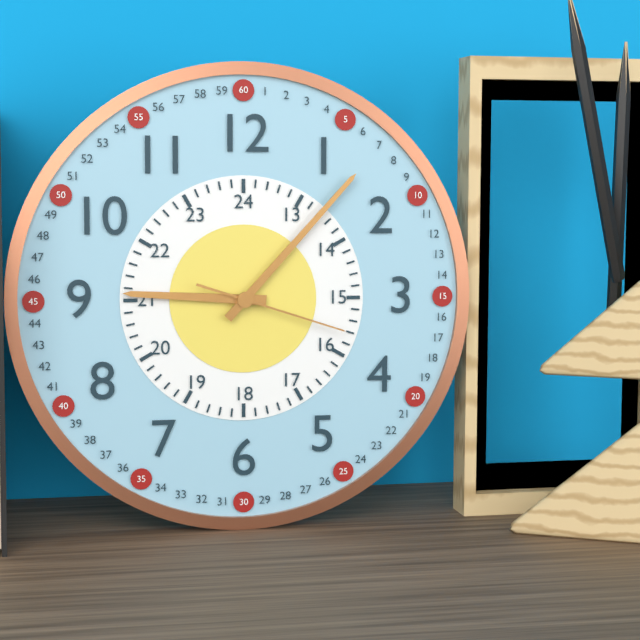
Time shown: 9:07:18
